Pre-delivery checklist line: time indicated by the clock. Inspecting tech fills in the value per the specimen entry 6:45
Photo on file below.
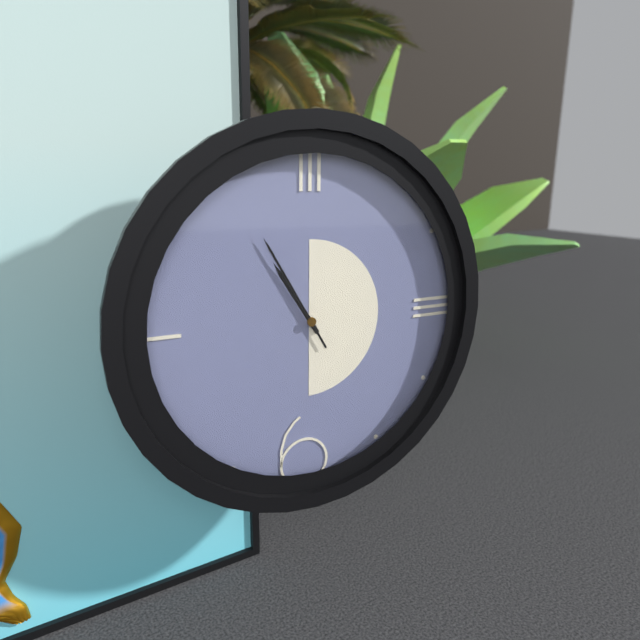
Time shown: 10:55
